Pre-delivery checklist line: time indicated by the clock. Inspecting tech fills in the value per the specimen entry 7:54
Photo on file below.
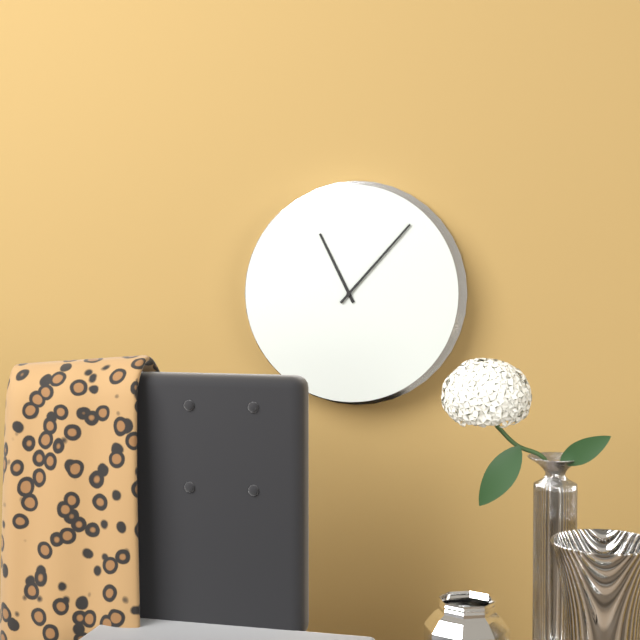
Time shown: 11:07
